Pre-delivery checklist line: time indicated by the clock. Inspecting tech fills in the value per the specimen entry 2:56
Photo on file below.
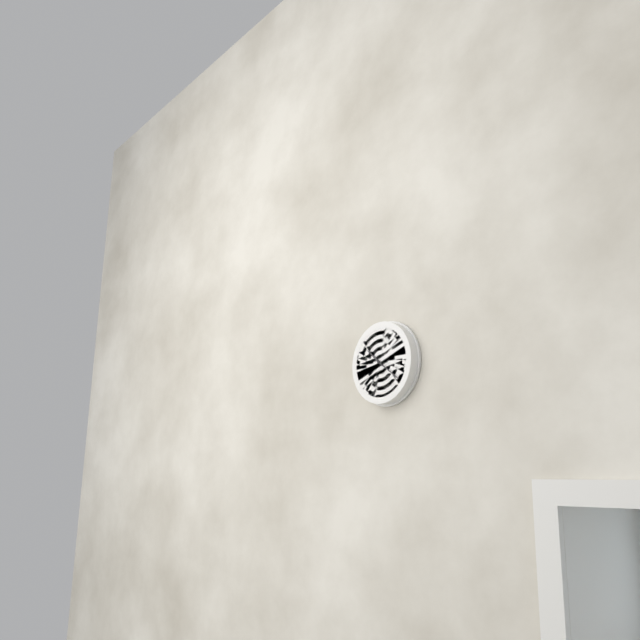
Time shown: 10:21
